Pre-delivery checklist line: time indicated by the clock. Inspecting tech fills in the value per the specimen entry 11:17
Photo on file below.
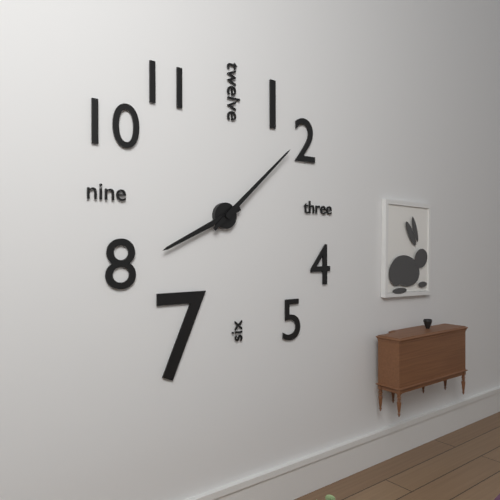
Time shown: 8:08
